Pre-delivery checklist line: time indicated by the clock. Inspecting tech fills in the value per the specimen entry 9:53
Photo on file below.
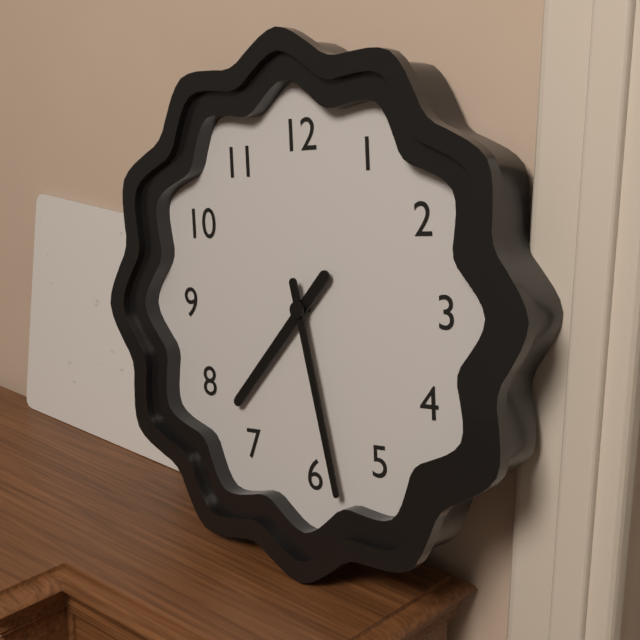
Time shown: 7:28
